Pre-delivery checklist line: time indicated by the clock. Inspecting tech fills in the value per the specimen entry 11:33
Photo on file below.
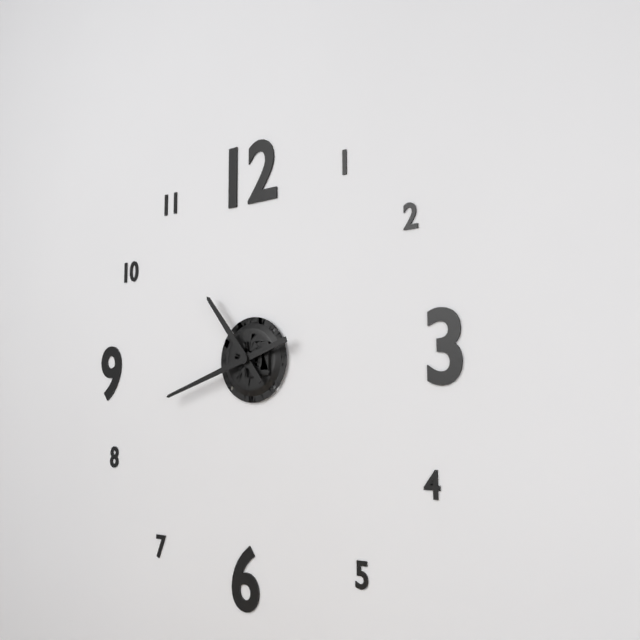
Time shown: 10:42
